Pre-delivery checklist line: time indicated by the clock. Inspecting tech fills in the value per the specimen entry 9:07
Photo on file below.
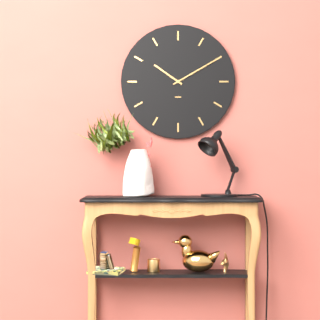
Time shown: 10:10
